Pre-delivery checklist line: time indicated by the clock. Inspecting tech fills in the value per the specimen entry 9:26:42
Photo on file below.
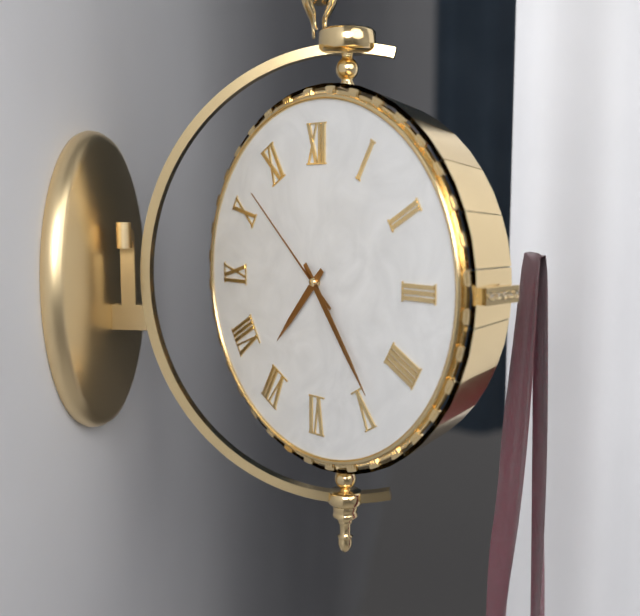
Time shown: 7:24:52
